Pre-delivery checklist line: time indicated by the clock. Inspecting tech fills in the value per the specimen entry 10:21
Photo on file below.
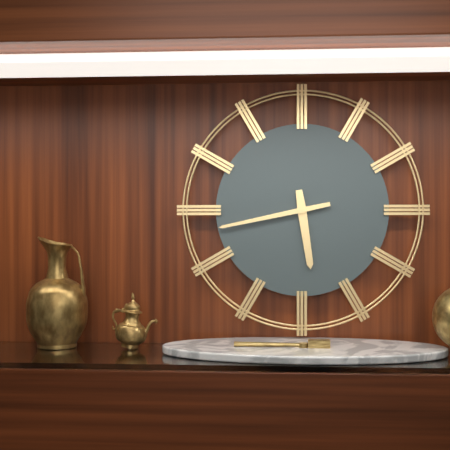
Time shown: 5:43
